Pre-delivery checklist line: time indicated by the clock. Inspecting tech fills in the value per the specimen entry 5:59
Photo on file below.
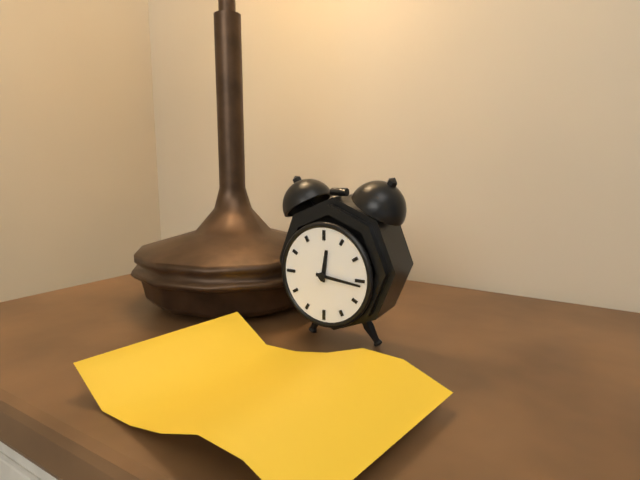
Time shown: 12:16
